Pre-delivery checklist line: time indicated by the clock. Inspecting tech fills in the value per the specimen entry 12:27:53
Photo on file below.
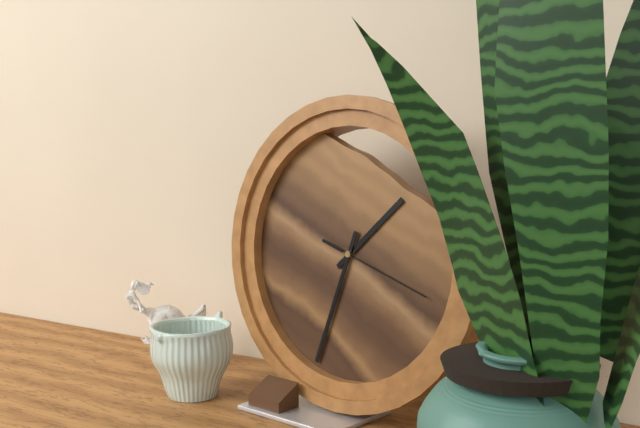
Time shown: 1:33:18
